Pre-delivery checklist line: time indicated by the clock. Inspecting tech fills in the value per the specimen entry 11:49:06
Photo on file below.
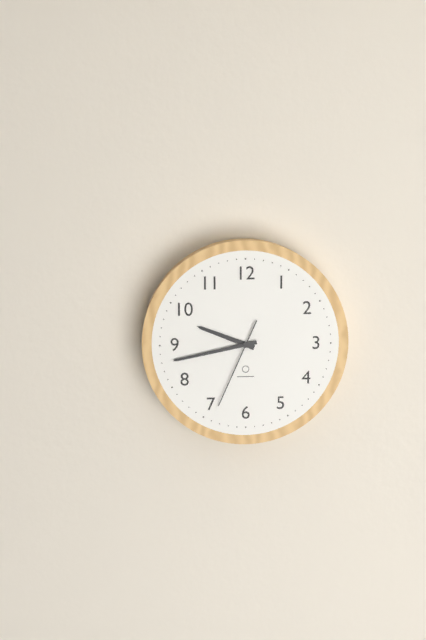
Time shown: 9:43:34
